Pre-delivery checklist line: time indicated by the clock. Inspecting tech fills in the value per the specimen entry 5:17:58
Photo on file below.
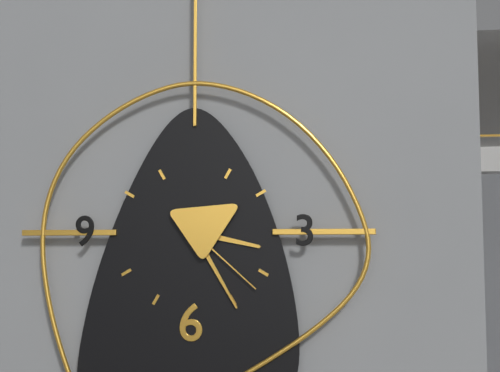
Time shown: 3:25:22
